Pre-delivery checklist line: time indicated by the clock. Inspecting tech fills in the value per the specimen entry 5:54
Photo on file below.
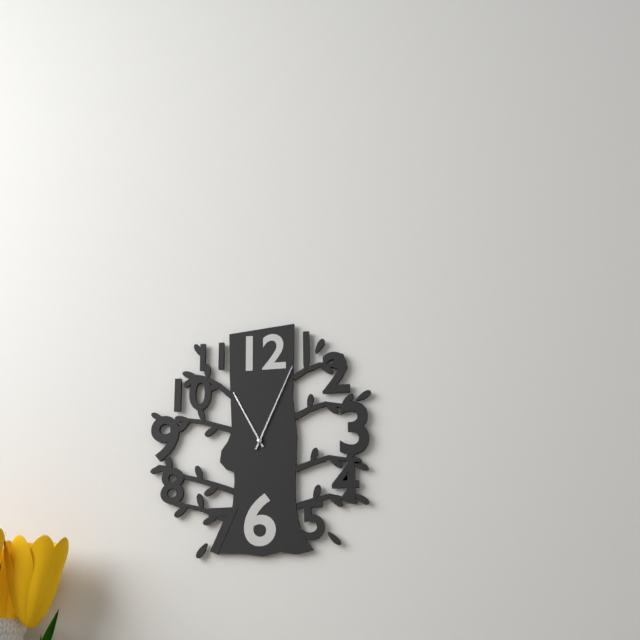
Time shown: 11:04
